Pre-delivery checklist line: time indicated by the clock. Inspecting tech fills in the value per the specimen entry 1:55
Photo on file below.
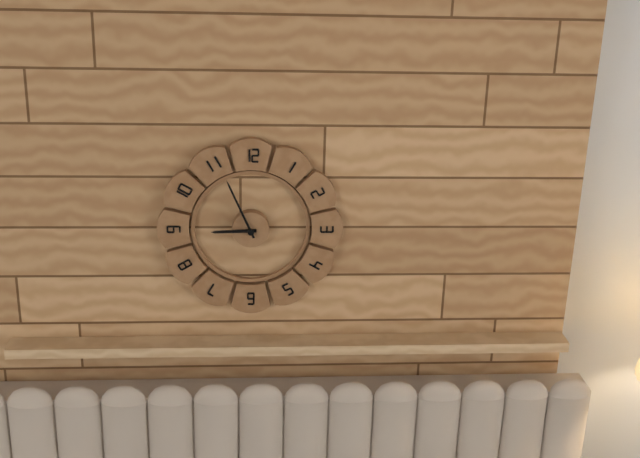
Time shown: 8:56
